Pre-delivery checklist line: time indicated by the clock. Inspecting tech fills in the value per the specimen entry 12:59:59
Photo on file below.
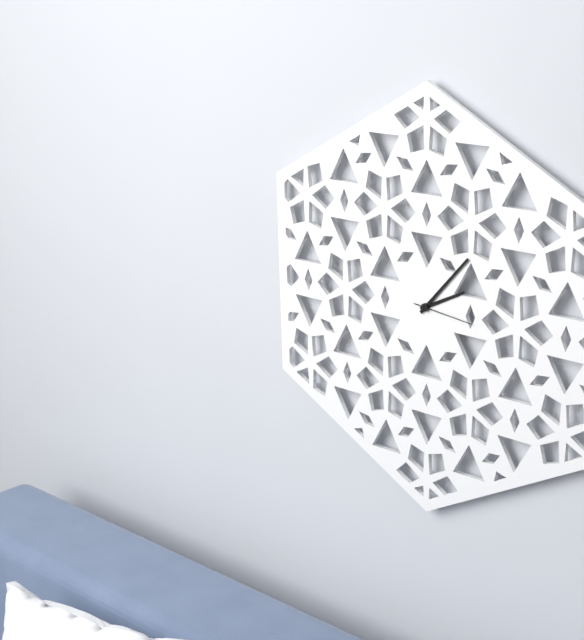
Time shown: 2:07:16
